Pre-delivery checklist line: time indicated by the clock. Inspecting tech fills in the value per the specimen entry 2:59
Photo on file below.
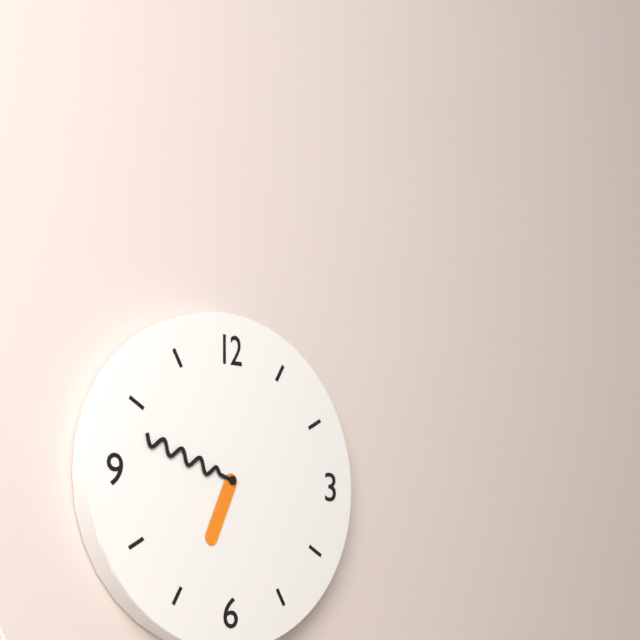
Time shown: 6:48
